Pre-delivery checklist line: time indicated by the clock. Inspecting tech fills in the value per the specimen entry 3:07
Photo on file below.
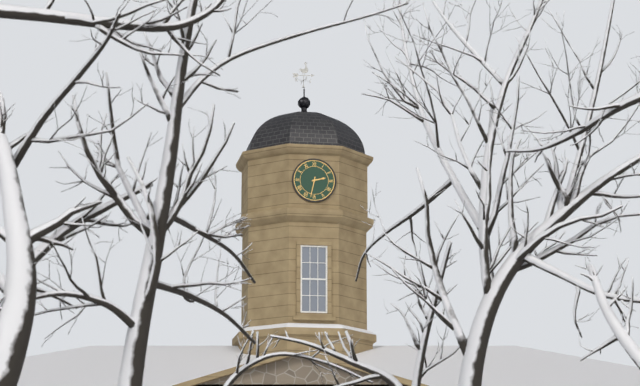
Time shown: 2:32
